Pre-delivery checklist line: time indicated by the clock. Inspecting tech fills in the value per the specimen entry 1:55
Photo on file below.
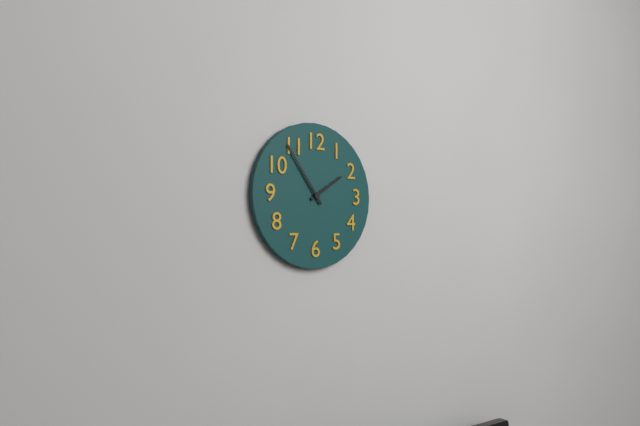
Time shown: 1:54
